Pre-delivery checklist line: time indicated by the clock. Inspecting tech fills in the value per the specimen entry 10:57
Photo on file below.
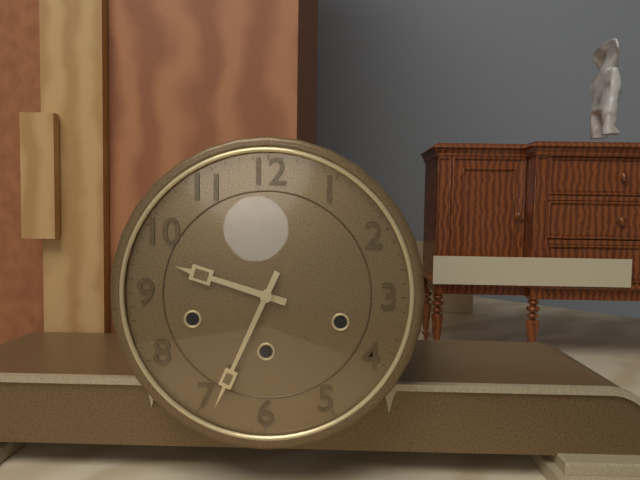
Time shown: 9:34
